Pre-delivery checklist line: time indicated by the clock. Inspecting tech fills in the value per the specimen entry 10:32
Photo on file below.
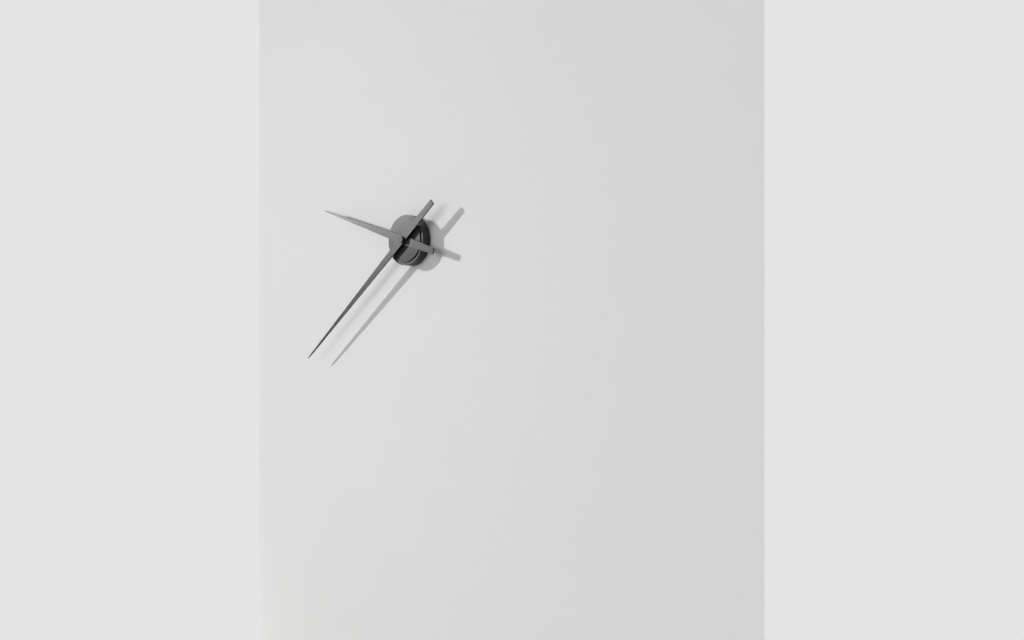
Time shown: 9:39
